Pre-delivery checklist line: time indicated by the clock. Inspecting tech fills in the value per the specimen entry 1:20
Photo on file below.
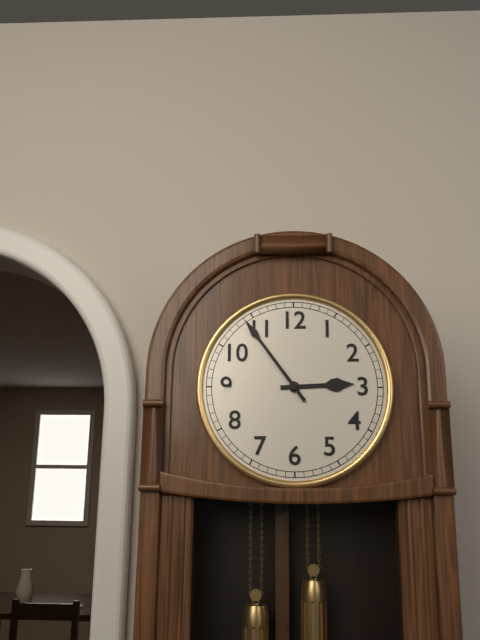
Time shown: 2:54
